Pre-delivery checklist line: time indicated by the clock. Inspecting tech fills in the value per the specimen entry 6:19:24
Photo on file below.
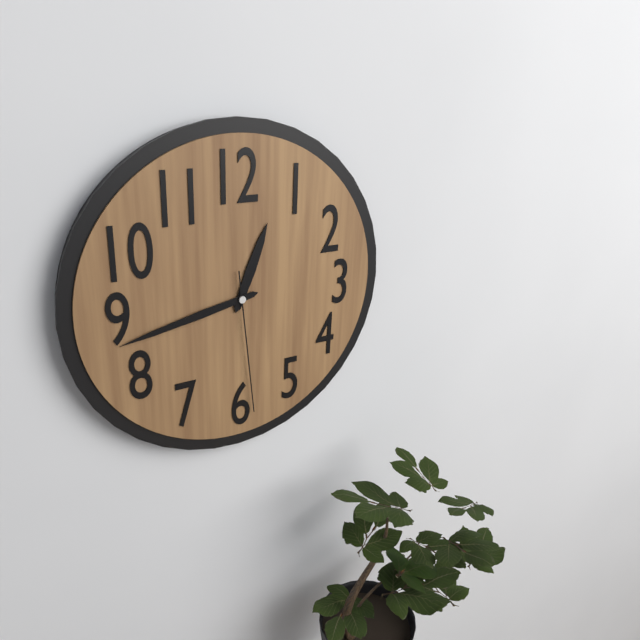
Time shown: 12:43:29
